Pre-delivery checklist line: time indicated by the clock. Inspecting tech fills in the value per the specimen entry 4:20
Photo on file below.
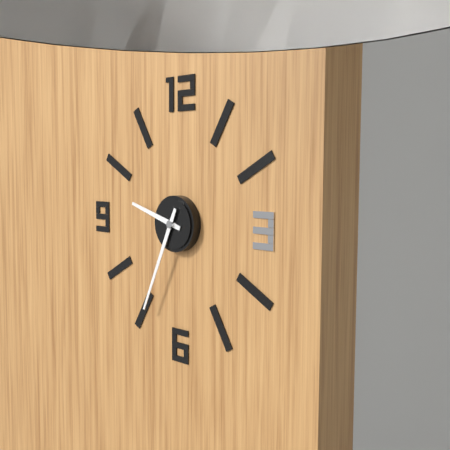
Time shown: 9:34
